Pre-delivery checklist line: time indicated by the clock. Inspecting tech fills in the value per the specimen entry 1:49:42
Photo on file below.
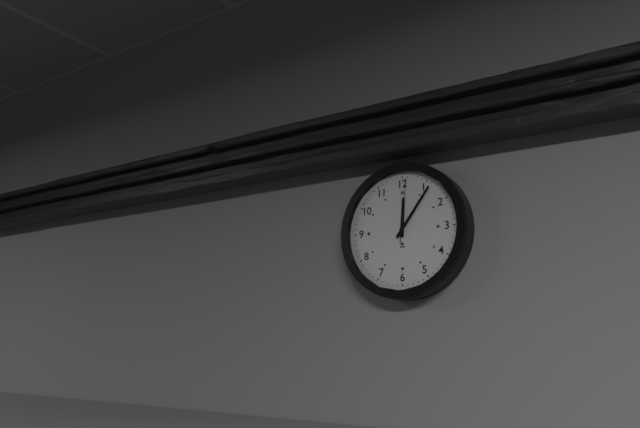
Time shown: 12:06:01
